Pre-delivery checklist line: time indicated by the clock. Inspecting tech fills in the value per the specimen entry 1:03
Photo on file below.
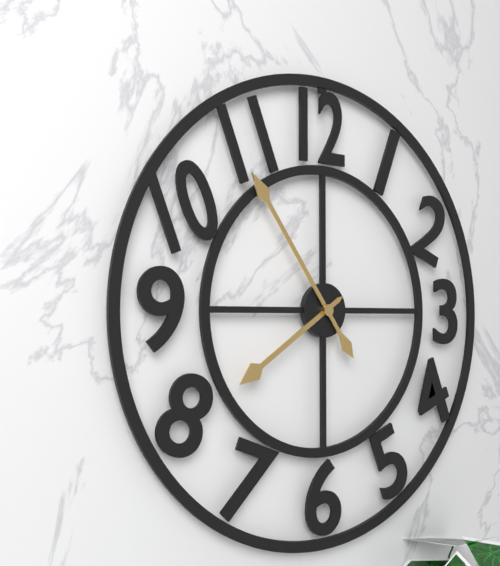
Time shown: 7:54
